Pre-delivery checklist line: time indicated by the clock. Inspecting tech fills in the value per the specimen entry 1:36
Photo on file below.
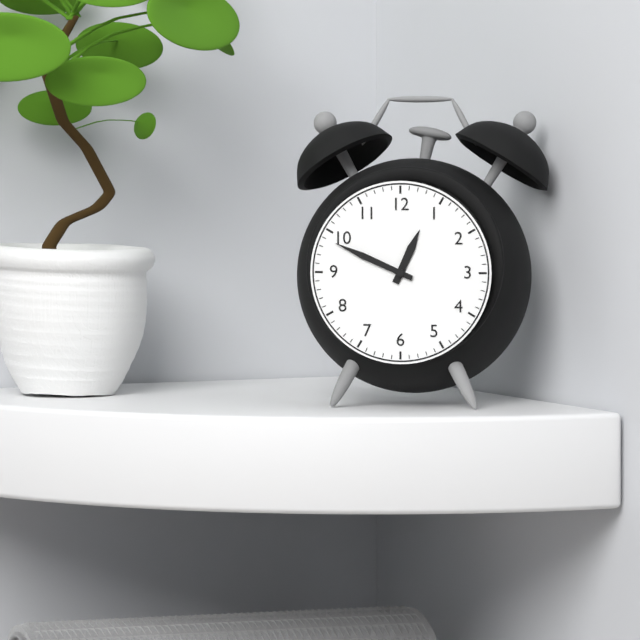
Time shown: 12:49
